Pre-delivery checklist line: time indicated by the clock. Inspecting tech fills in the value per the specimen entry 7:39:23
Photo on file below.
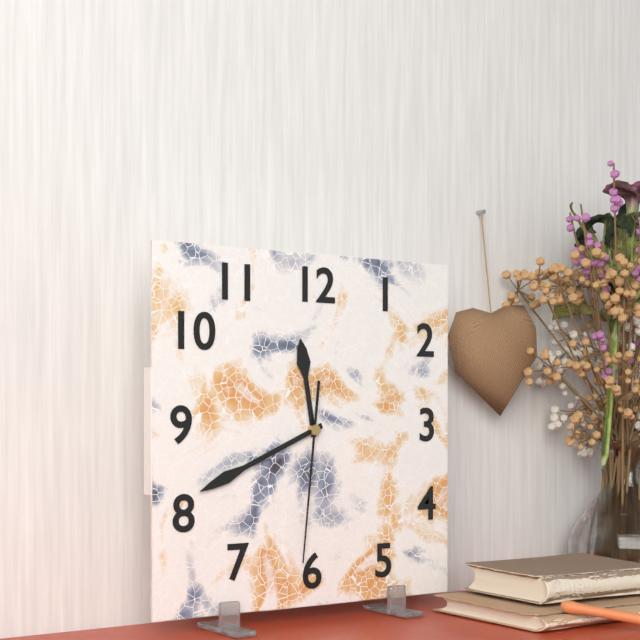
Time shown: 11:41:31
